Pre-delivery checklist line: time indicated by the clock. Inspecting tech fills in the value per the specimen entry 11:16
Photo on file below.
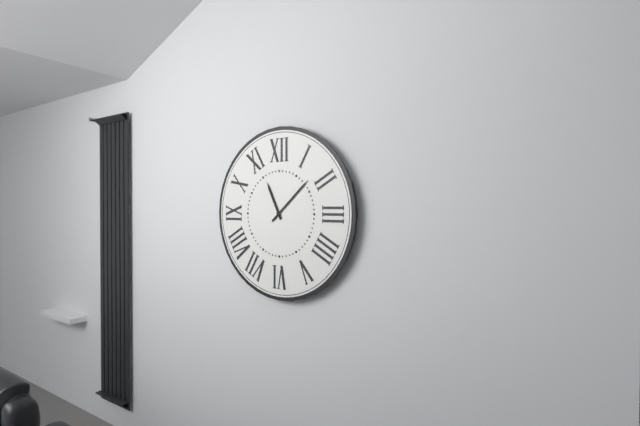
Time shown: 11:08
